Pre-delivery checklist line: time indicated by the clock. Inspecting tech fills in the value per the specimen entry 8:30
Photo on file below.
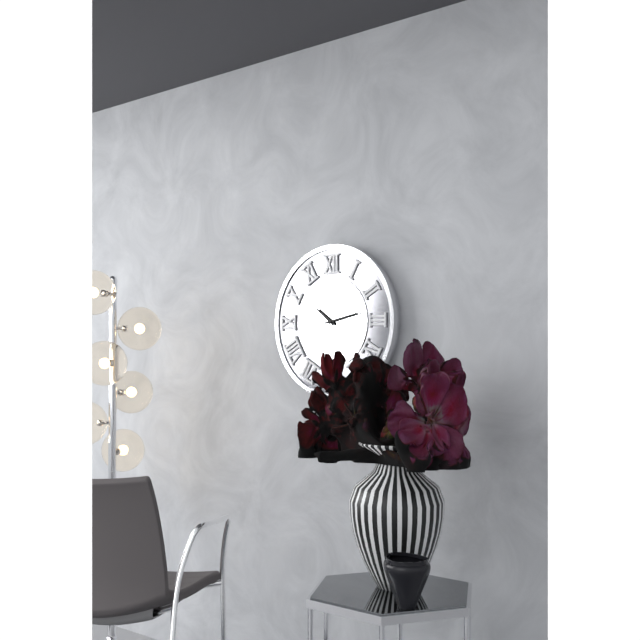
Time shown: 10:13
